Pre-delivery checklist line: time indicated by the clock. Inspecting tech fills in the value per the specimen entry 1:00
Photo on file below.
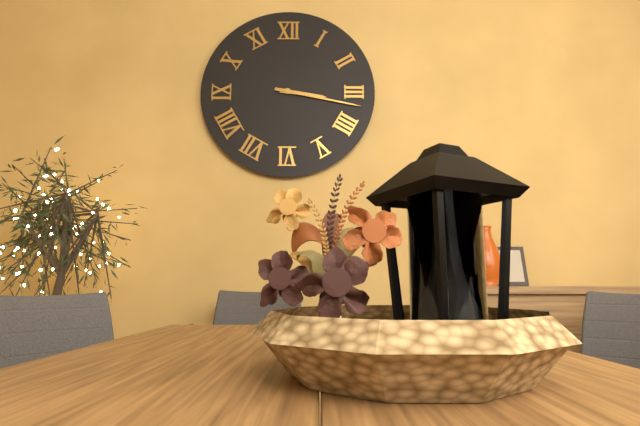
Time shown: 3:17
